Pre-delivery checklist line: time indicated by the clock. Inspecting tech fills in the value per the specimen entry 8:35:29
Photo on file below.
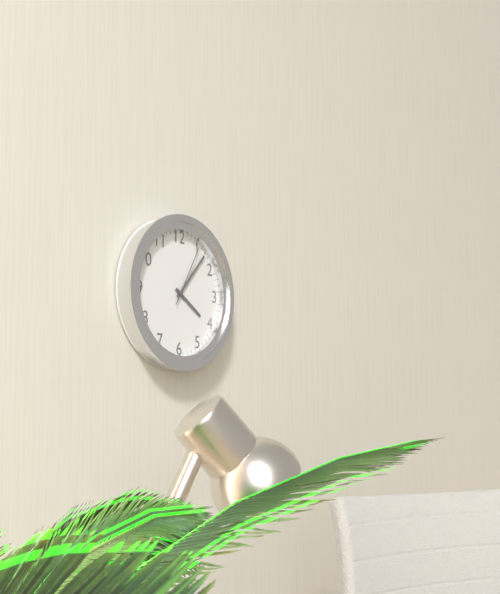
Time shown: 4:07:05
